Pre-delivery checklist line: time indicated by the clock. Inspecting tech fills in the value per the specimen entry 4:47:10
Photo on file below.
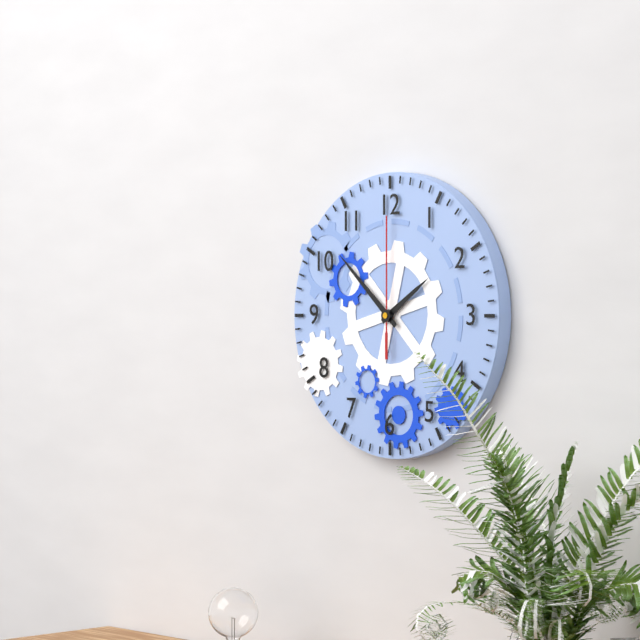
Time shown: 1:52:00
